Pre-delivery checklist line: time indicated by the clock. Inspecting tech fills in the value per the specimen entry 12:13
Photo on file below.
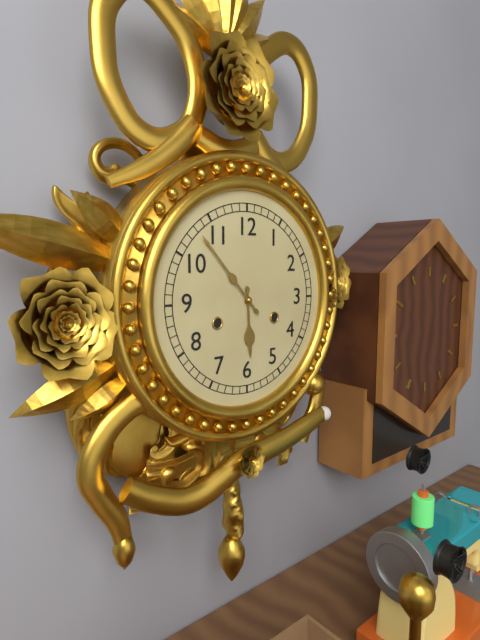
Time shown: 5:53
